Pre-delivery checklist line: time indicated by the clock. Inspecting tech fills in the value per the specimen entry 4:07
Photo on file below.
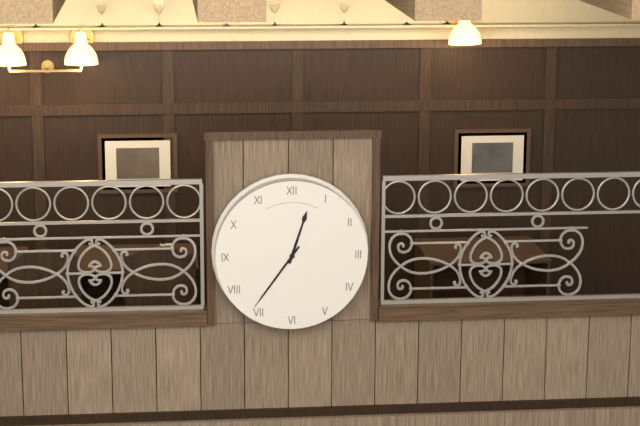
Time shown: 12:36
